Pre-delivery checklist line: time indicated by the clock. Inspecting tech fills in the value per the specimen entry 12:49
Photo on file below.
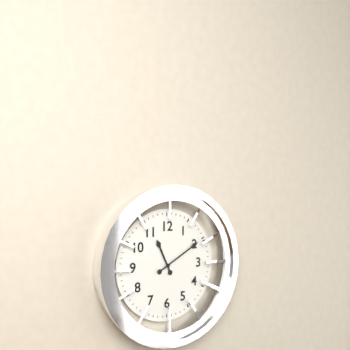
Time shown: 11:10
